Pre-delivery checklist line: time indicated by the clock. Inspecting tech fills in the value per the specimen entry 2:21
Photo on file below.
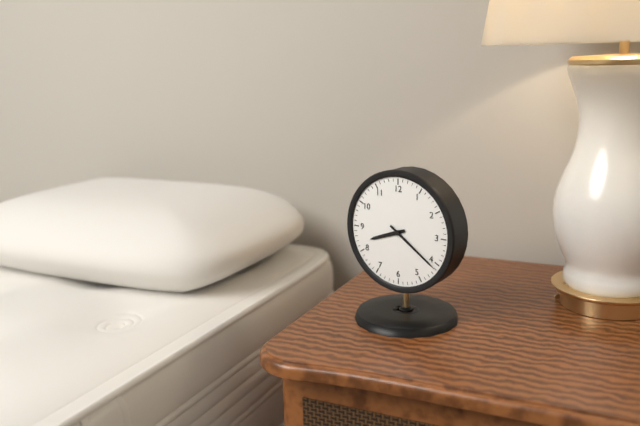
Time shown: 8:21
